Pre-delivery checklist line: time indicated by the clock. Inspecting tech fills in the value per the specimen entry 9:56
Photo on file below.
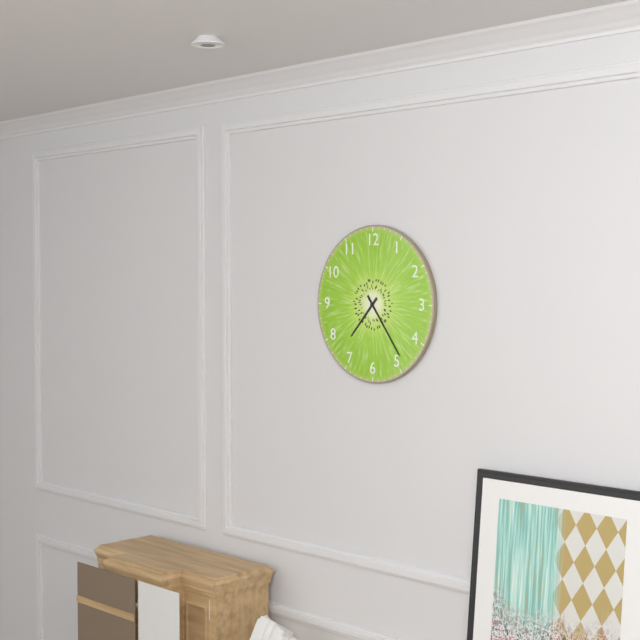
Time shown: 7:24
